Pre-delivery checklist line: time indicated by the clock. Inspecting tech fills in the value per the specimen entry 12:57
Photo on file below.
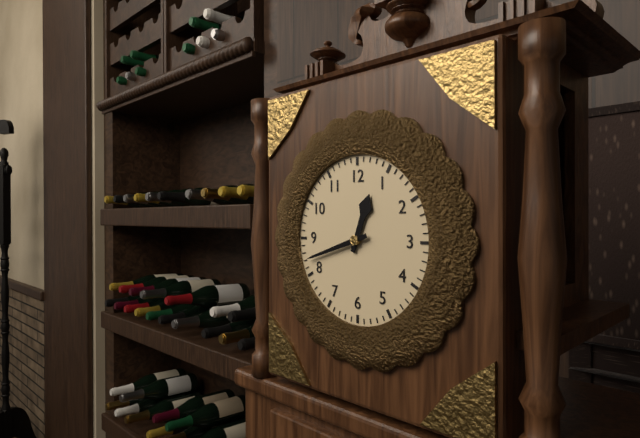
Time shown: 12:42
